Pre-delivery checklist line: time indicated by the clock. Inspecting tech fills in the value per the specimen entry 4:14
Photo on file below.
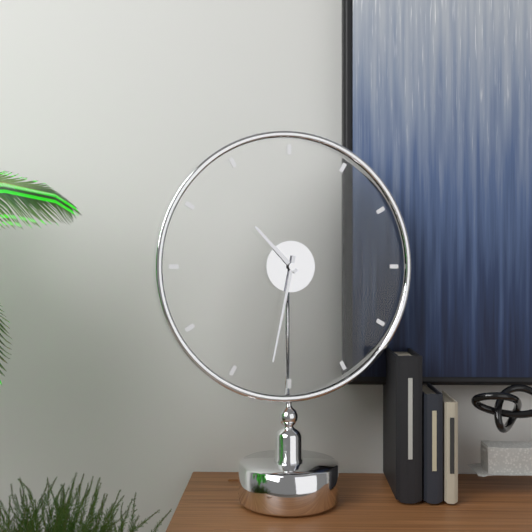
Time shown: 10:32
